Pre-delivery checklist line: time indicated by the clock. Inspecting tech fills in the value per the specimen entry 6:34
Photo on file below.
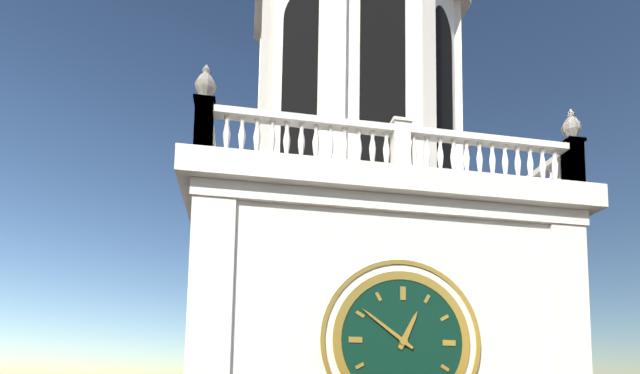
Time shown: 12:51
